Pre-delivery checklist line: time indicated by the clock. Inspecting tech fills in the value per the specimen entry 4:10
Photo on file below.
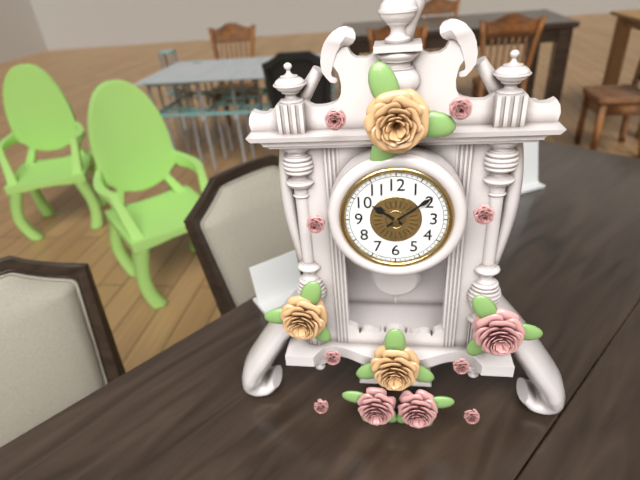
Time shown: 10:09
